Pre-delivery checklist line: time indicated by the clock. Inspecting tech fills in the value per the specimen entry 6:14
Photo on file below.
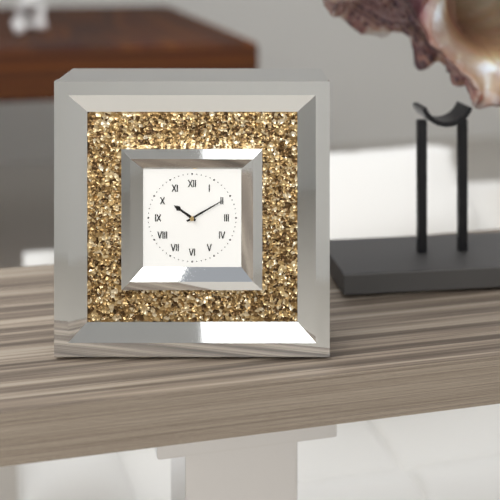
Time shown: 10:10
